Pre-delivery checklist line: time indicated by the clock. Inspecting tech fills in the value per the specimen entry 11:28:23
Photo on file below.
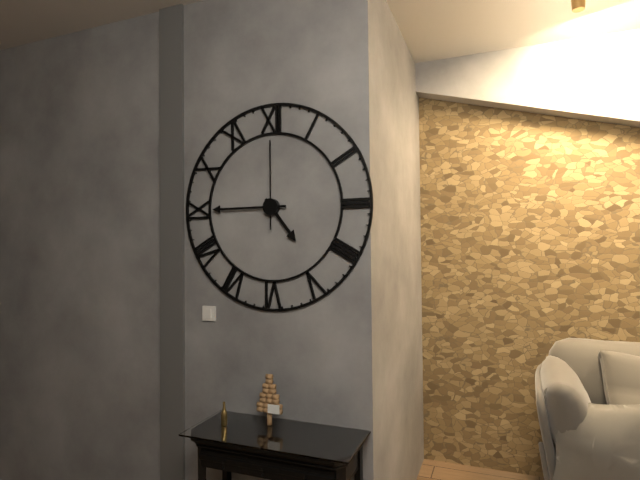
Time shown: 4:45:00
